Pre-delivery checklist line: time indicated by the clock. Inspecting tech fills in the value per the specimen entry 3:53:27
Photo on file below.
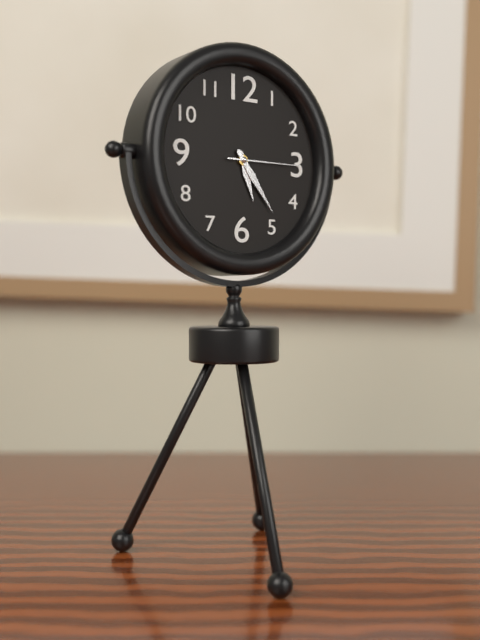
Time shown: 5:24:15
